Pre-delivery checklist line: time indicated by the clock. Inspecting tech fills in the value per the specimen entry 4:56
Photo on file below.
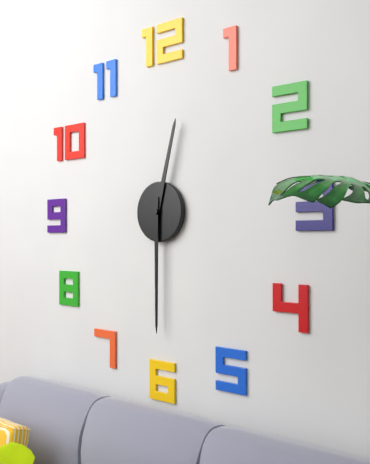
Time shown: 12:30
